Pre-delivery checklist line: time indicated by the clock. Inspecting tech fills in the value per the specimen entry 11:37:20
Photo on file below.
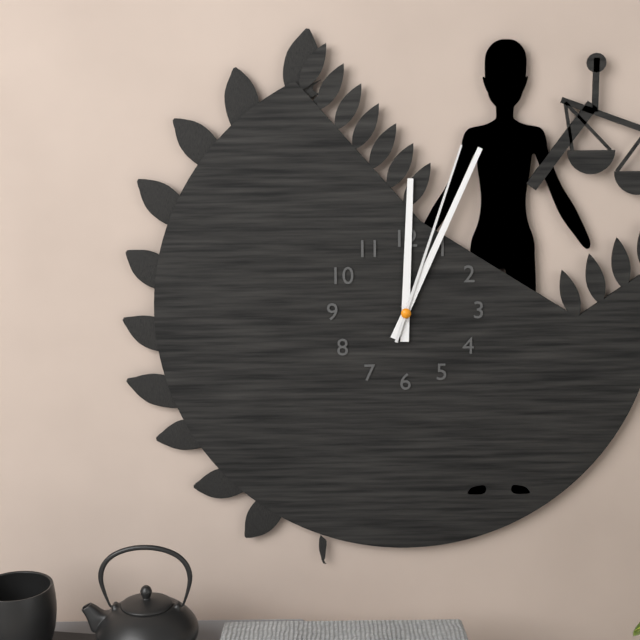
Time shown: 12:04:03
